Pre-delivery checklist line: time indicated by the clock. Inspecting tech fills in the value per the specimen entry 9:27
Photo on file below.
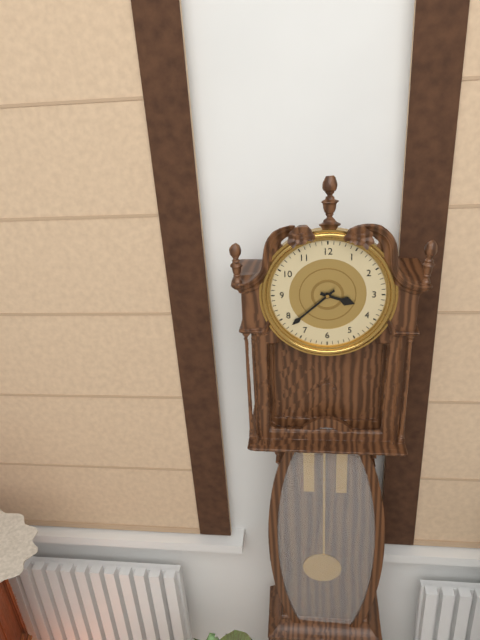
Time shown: 3:38
